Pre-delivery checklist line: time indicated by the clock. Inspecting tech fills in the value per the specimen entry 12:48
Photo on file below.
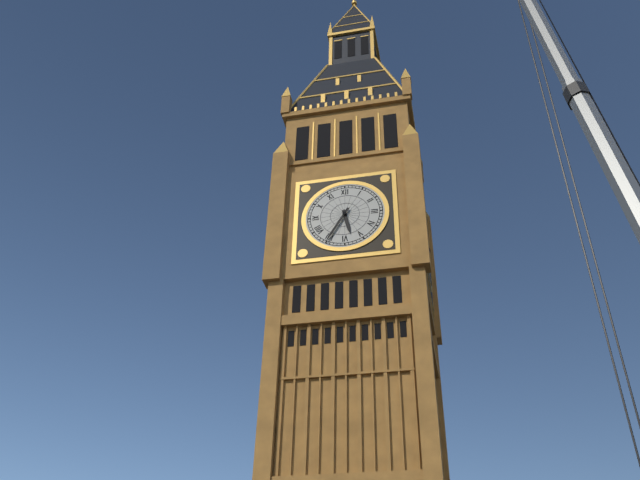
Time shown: 5:35
